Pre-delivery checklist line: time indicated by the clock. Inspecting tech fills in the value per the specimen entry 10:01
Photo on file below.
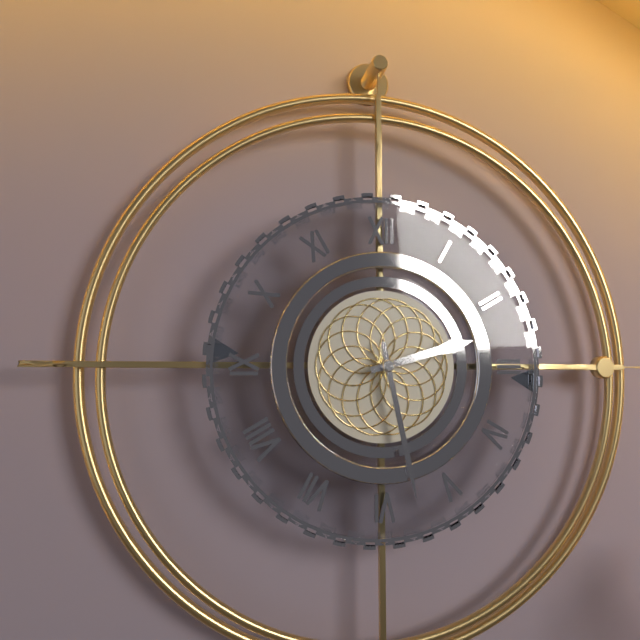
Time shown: 2:28
